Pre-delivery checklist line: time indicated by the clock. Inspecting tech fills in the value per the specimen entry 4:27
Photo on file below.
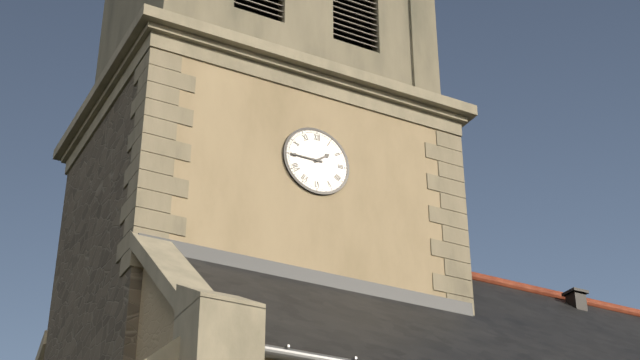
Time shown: 1:45
